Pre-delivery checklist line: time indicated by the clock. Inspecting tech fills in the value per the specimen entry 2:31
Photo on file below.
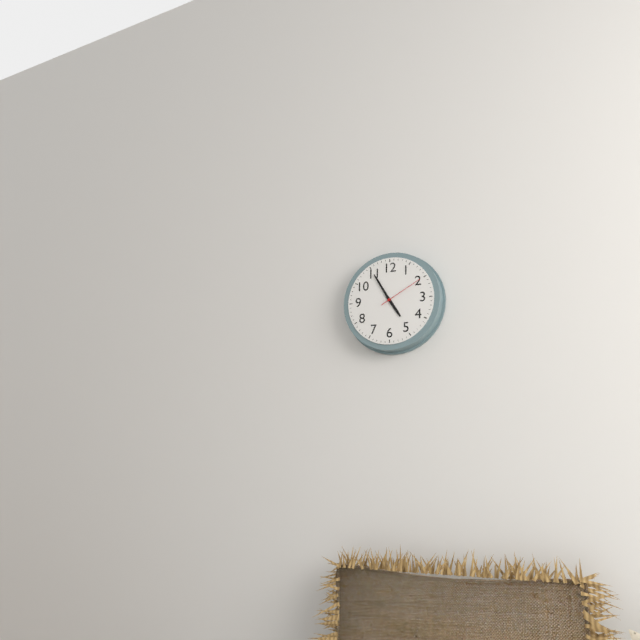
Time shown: 4:55
